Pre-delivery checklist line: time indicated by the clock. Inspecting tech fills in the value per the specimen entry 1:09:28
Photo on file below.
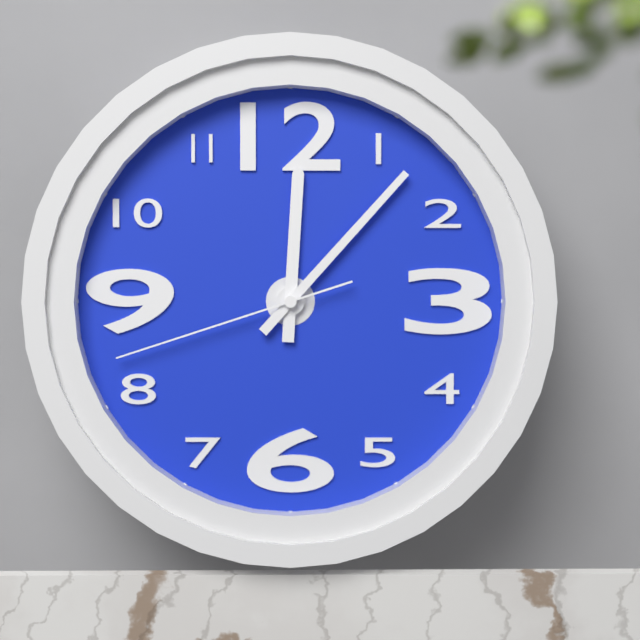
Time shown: 12:07:42
